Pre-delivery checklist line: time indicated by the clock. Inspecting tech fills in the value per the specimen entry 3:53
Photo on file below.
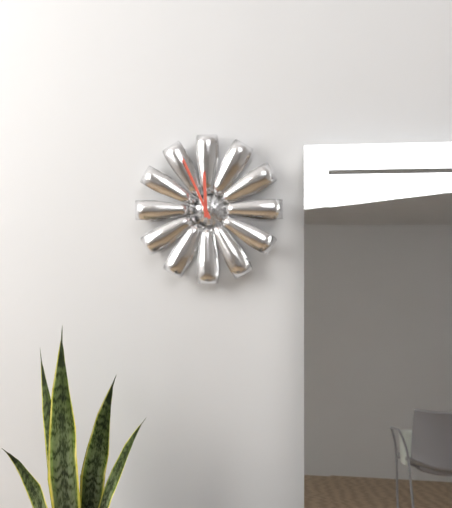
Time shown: 11:56
